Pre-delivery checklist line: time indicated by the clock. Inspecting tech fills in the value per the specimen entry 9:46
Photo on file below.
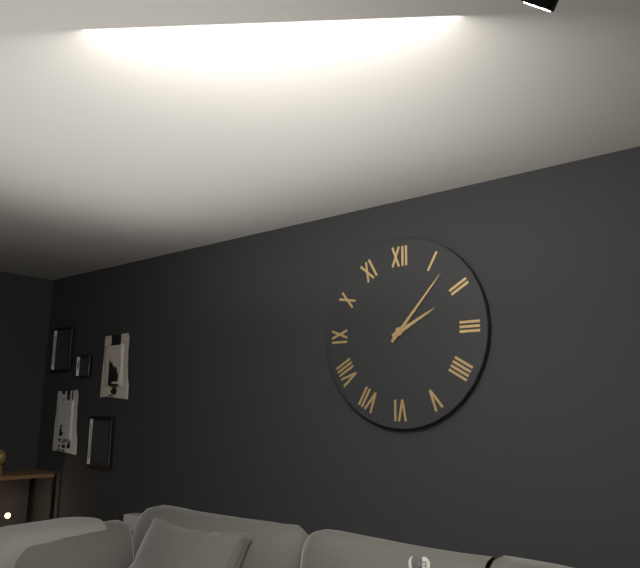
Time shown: 2:07
